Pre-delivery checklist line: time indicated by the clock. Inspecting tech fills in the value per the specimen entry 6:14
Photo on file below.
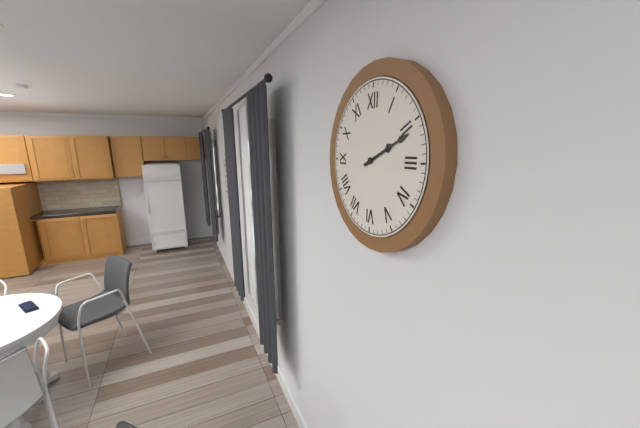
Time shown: 2:11
